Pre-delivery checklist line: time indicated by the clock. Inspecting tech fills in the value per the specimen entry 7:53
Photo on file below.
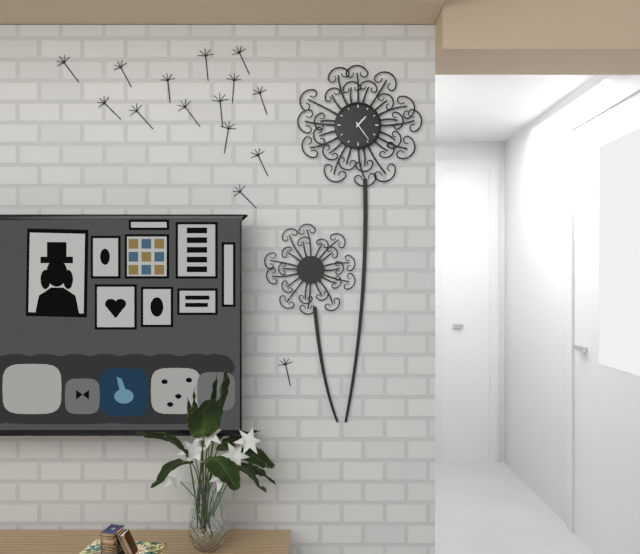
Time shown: 1:24
